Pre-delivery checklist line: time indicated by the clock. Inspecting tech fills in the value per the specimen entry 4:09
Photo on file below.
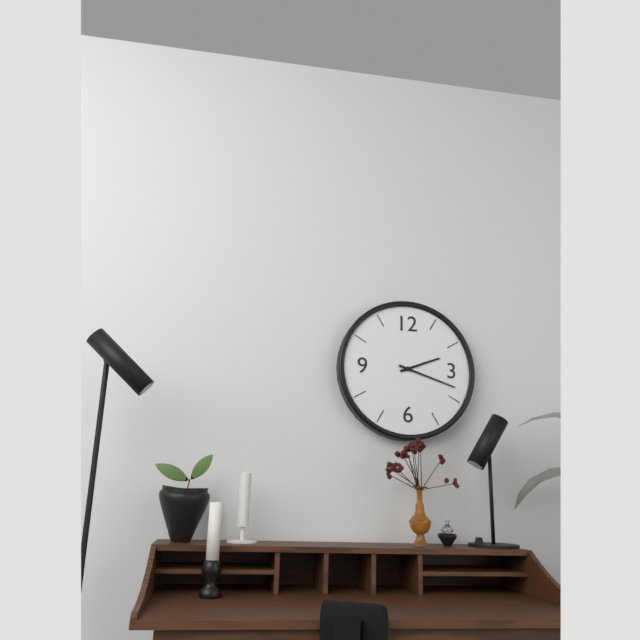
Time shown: 2:18
